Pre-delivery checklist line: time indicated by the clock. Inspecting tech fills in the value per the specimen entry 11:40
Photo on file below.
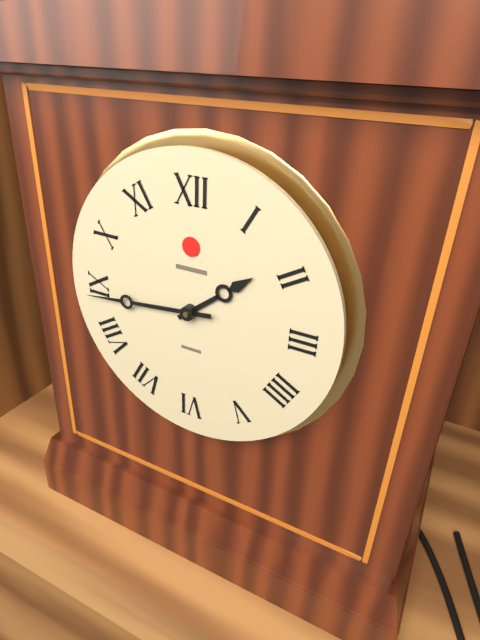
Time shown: 1:44
